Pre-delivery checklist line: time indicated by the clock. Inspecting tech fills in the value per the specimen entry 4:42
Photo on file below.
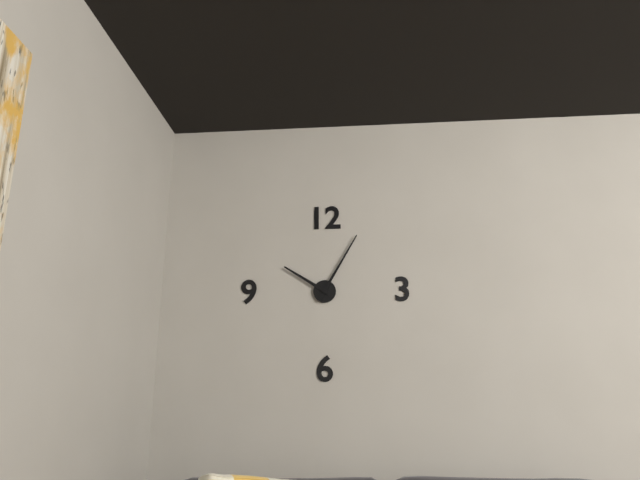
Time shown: 10:05
